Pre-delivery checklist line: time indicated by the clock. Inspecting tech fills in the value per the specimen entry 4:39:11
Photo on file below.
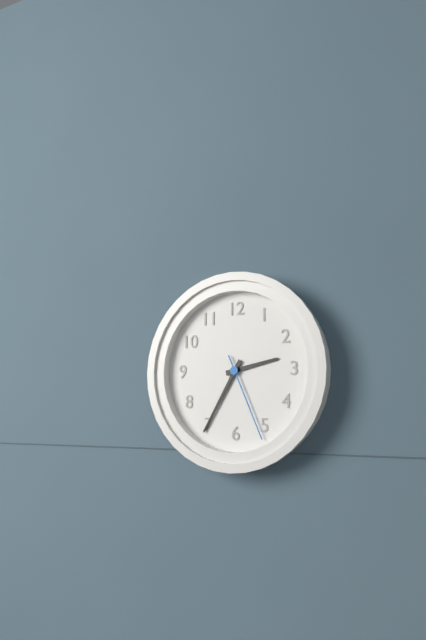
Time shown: 2:35:26
